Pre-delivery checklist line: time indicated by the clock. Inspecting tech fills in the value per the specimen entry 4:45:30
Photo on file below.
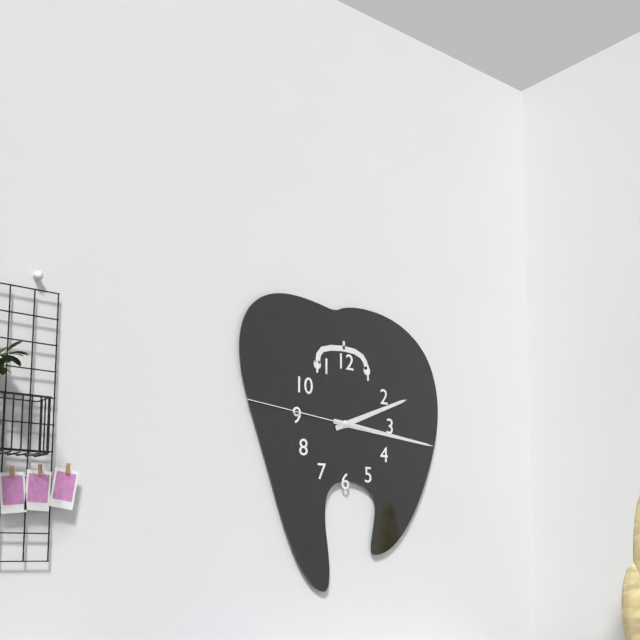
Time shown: 2:16:46
